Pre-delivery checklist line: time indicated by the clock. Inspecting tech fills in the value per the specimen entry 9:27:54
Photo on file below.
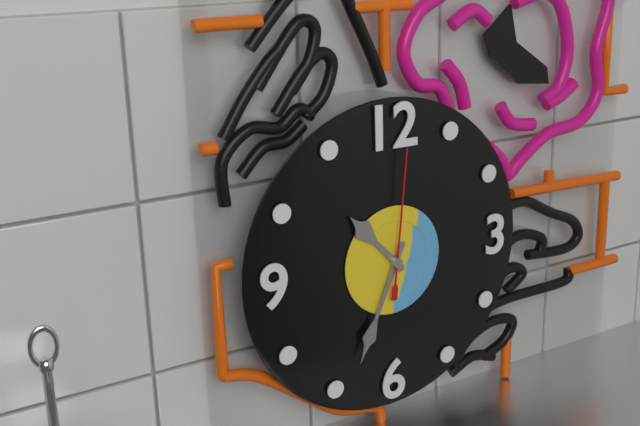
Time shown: 10:34:01
